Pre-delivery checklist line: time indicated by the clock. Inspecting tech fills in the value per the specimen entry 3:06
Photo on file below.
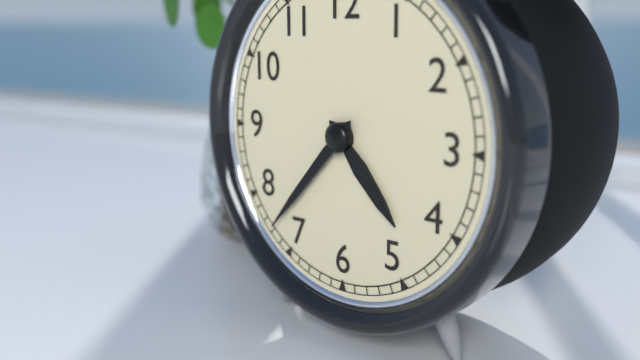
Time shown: 4:37
